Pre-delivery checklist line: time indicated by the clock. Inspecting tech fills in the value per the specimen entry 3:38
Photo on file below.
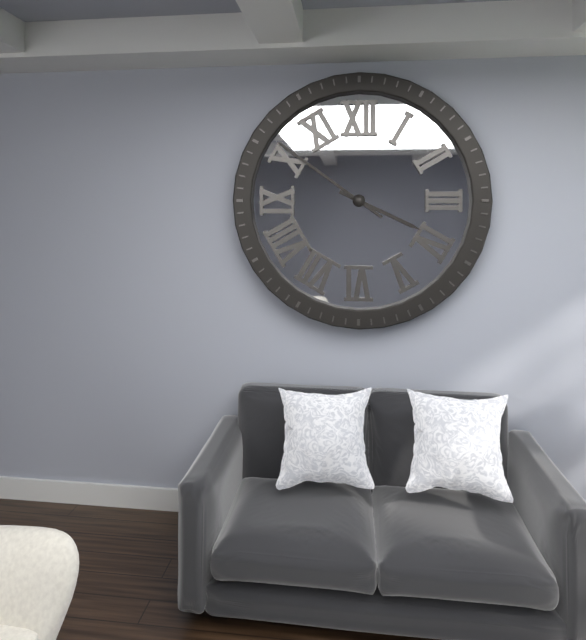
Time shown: 3:51
